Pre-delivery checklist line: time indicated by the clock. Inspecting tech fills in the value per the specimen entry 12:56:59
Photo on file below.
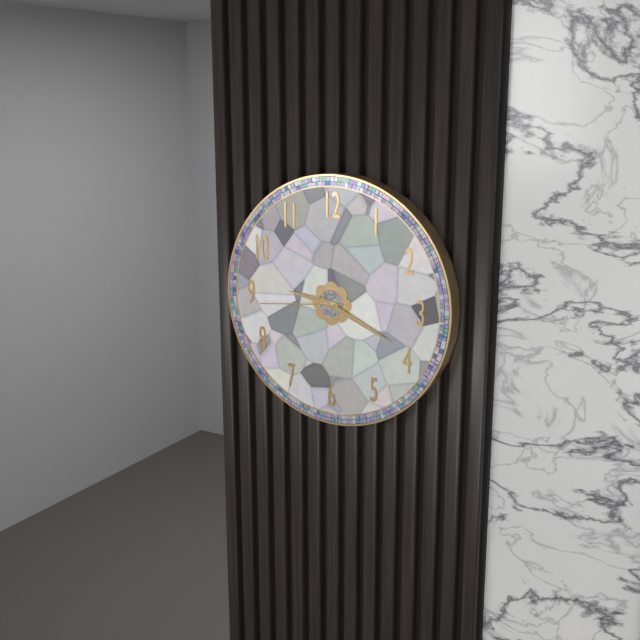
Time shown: 9:19:44
